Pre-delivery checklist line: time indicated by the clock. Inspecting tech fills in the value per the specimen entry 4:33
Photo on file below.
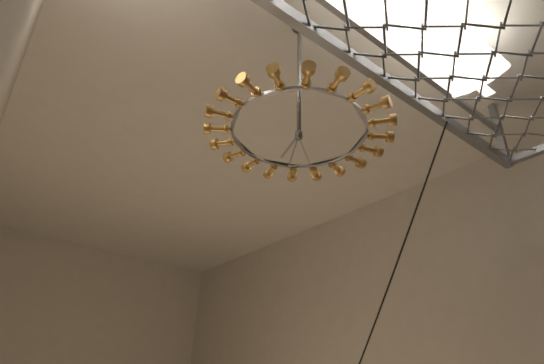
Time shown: 5:25
